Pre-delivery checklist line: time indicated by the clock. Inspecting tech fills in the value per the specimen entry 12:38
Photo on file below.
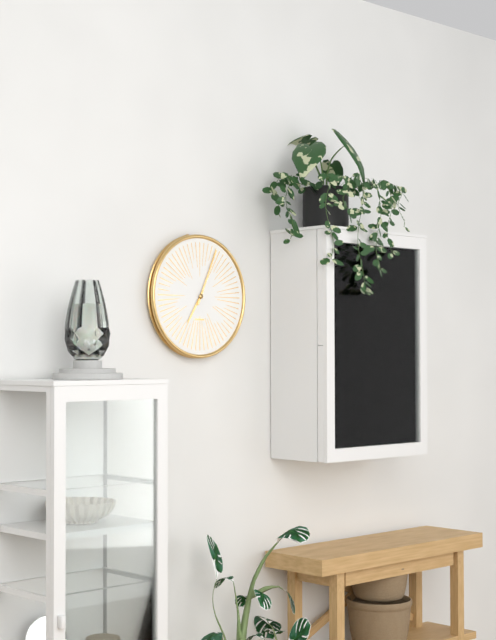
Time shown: 7:04
